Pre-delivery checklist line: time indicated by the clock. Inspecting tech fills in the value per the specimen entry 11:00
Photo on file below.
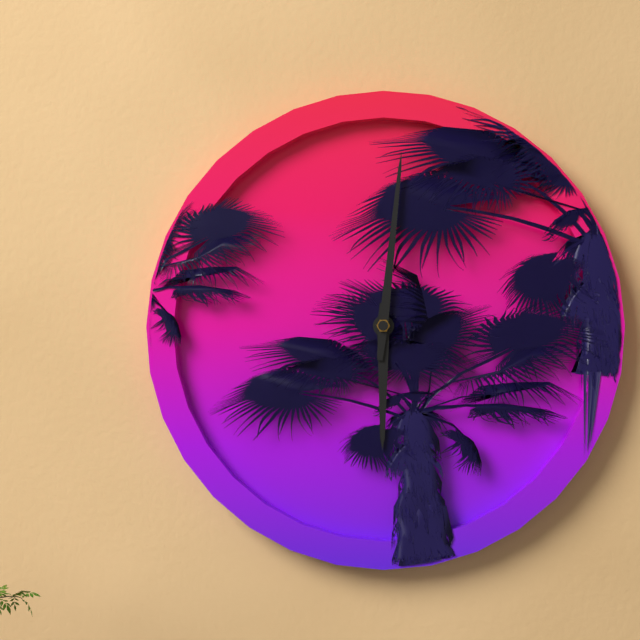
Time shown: 6:01
